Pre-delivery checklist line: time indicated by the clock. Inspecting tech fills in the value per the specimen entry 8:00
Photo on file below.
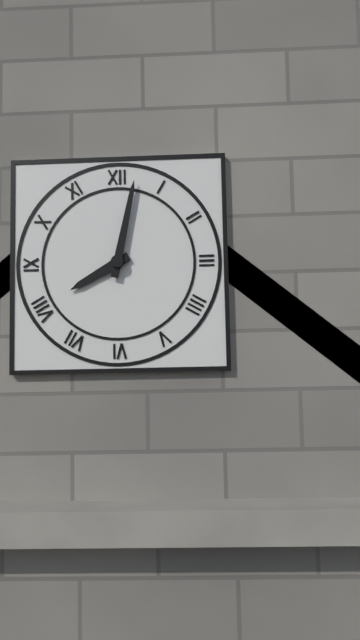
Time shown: 8:02
